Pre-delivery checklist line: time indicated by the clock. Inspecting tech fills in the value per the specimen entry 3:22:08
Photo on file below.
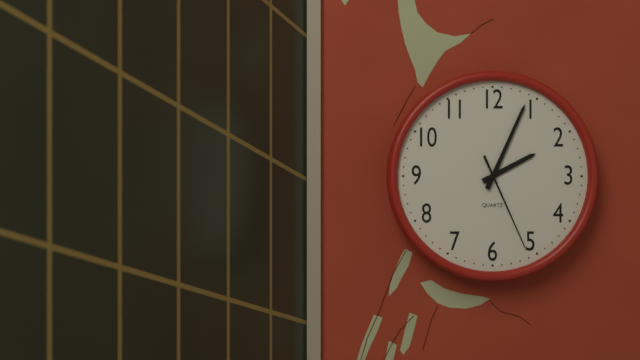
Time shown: 2:04:26
